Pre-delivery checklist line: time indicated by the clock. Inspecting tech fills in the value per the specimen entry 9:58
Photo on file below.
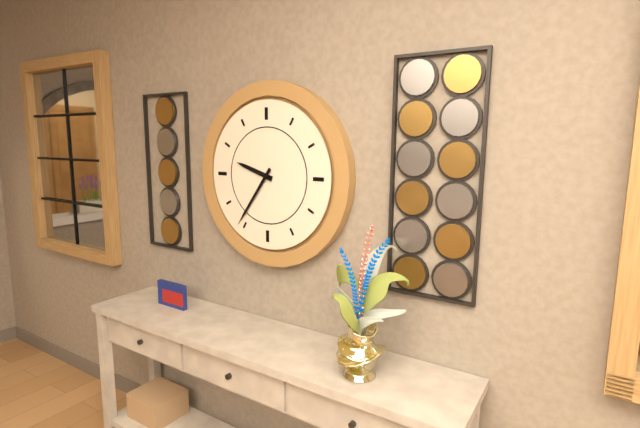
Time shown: 9:36
